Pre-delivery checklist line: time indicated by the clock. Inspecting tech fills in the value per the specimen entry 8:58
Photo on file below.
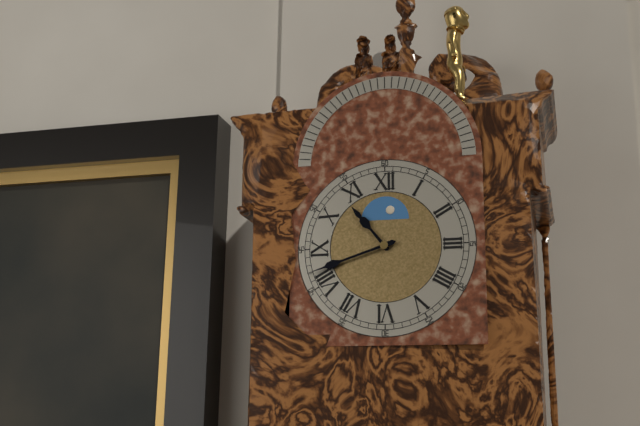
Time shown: 10:42
